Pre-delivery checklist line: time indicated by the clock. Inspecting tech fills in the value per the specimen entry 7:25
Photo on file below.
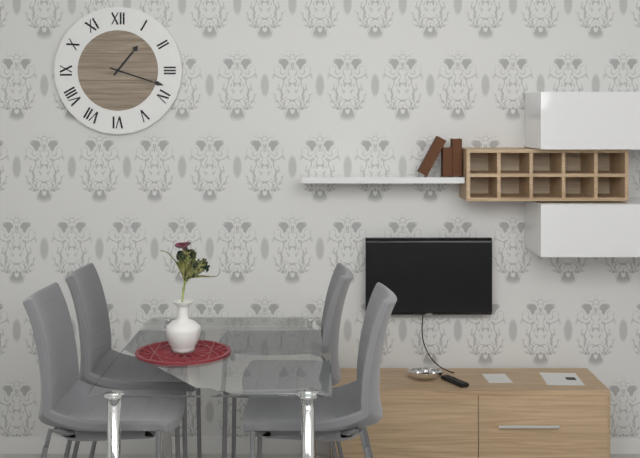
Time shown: 1:18
